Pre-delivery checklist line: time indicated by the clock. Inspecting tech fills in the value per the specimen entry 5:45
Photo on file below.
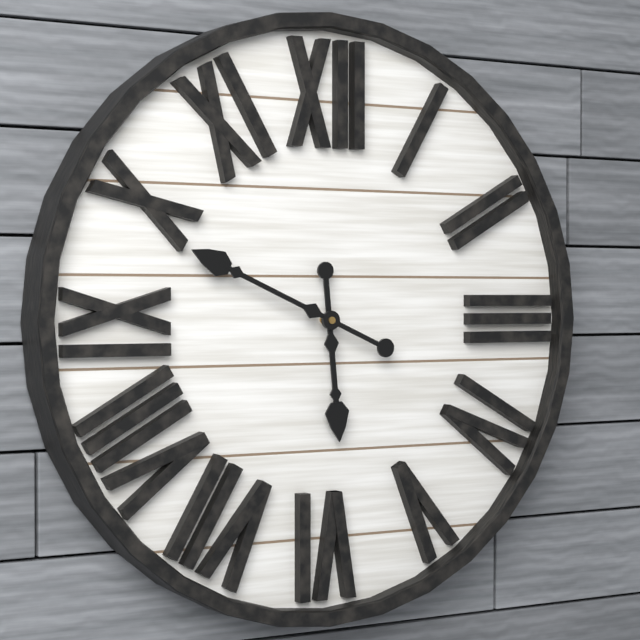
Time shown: 5:49
